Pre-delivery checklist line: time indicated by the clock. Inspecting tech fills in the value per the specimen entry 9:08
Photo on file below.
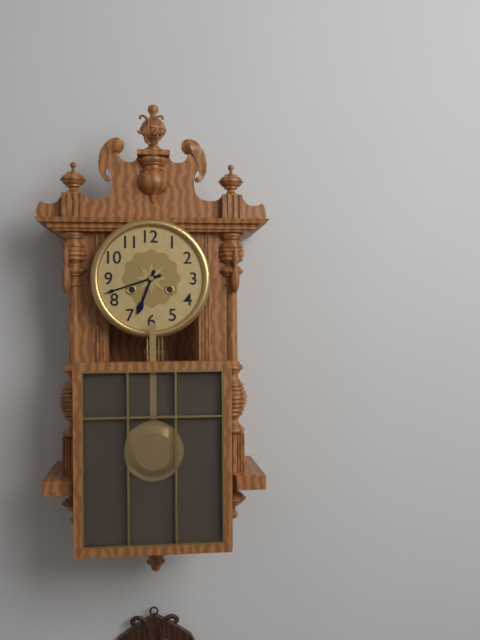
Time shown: 6:42
